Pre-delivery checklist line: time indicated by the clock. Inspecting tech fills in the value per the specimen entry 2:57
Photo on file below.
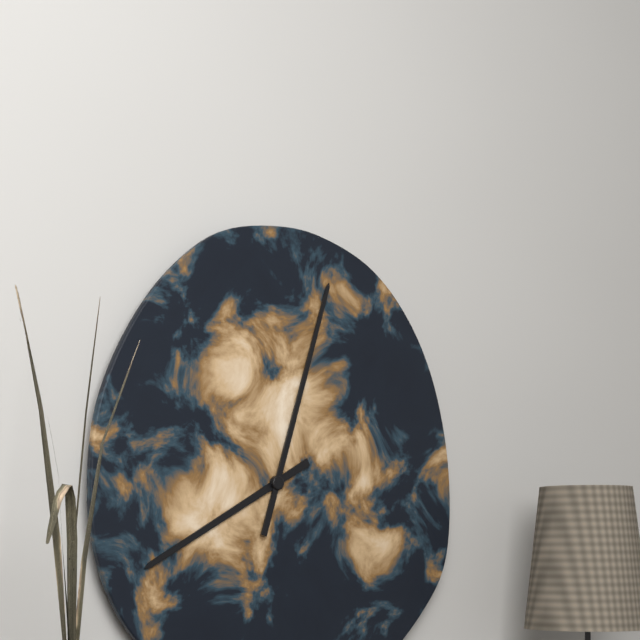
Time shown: 8:03
